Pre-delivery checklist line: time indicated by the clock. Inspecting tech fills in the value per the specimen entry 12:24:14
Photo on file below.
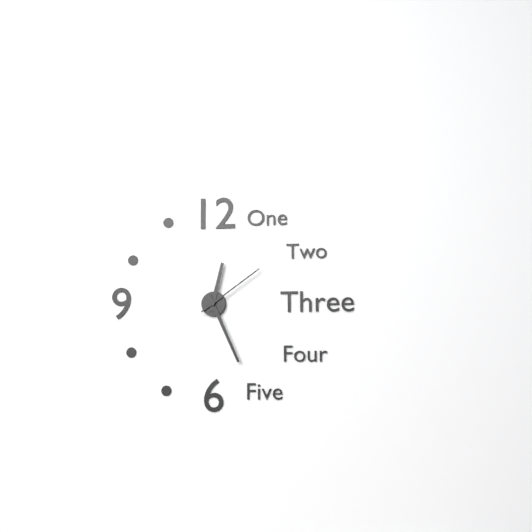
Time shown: 12:26:09
